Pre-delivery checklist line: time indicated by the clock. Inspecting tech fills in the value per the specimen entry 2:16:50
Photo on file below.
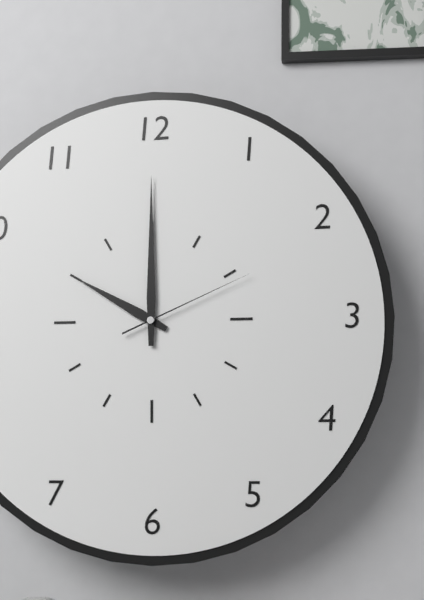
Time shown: 10:00:11
